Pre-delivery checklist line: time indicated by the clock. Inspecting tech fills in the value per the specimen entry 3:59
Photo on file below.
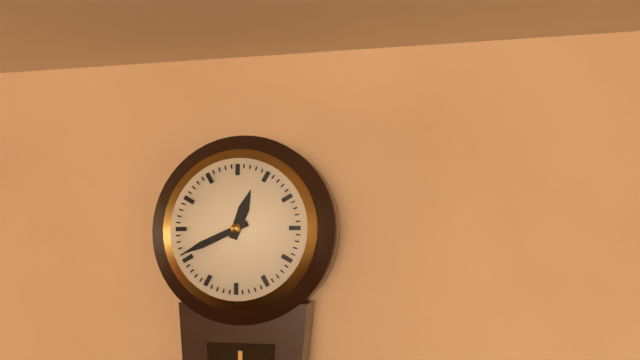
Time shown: 12:41
